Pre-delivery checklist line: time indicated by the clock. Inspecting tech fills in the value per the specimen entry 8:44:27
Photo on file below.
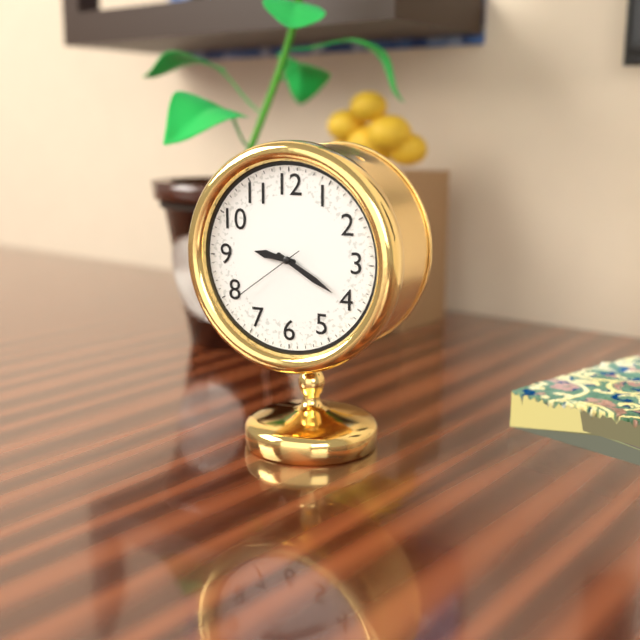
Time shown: 9:20:39
